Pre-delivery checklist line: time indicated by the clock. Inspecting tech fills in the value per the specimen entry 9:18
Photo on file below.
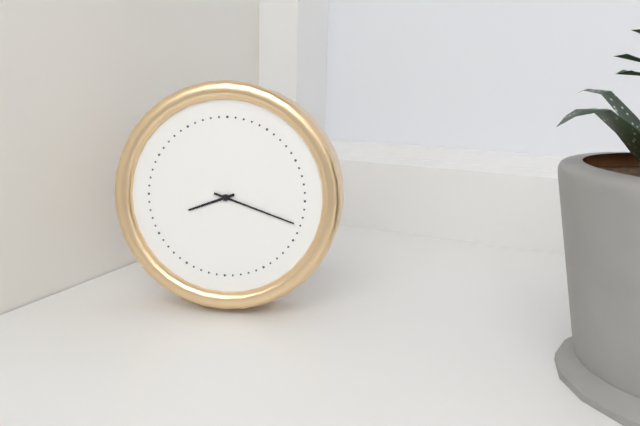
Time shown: 8:18
